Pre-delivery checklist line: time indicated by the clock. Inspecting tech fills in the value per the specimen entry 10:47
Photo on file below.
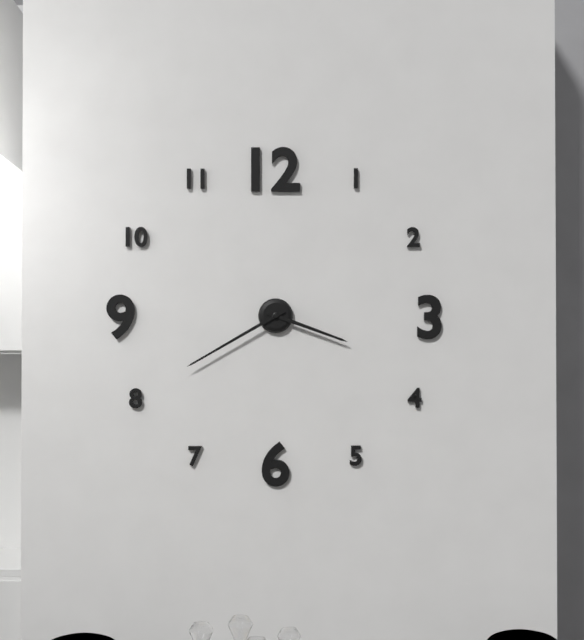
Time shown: 3:40
